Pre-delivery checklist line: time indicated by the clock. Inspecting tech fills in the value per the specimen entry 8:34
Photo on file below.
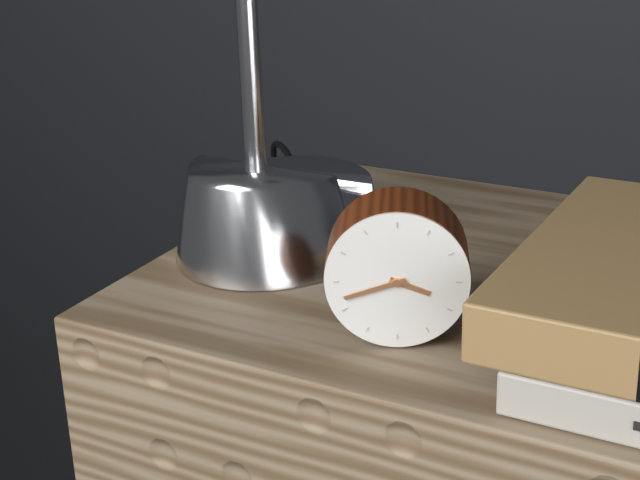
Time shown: 3:42
